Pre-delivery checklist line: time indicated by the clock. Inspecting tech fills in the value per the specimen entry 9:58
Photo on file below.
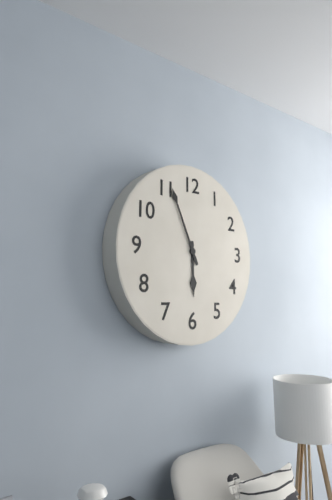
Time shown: 5:56
